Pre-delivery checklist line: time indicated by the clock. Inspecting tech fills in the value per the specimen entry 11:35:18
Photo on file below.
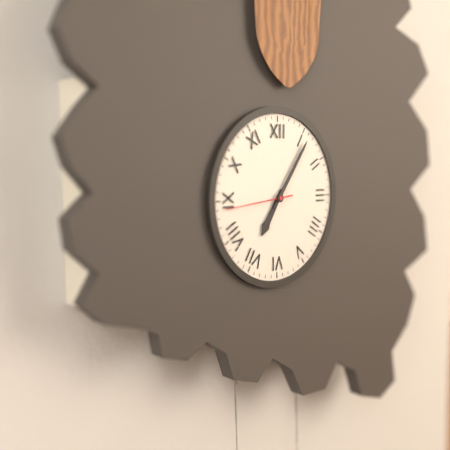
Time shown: 7:06:44
